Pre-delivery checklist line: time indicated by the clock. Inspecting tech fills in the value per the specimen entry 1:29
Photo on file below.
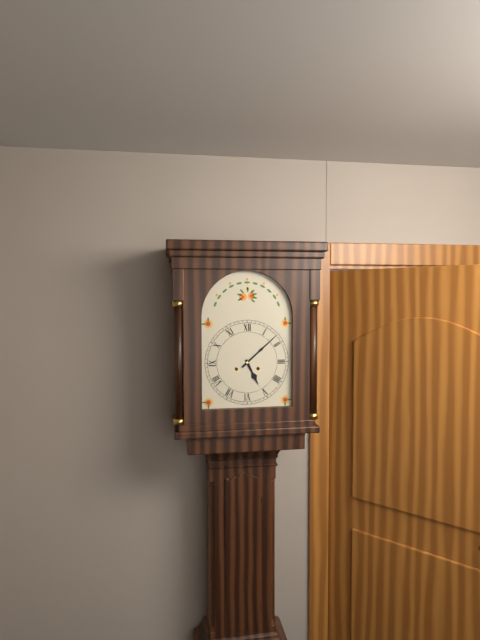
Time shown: 5:08
